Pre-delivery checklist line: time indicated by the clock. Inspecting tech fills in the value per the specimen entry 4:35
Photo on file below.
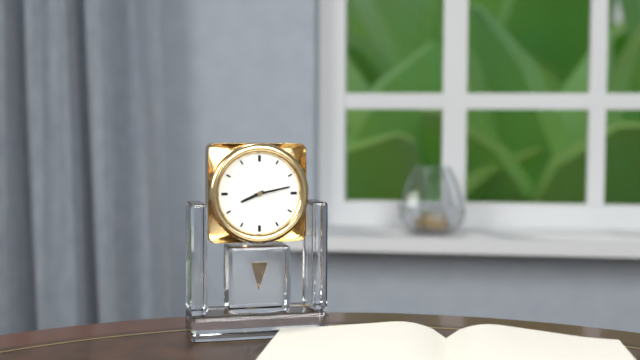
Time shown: 8:13
